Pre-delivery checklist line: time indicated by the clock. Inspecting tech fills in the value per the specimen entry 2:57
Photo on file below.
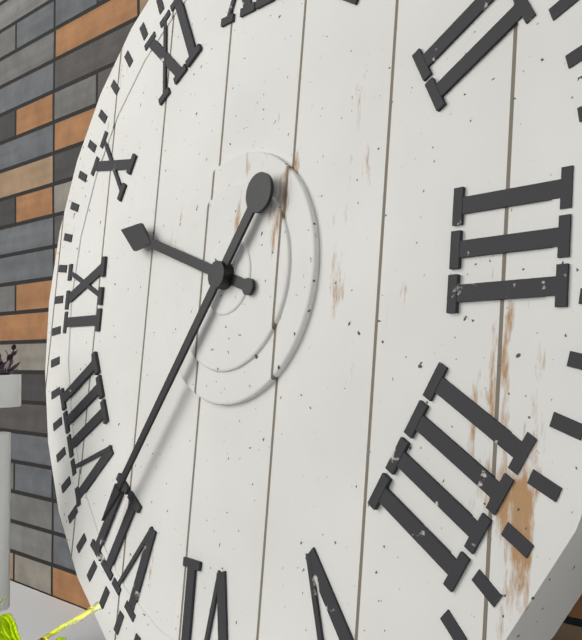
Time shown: 9:36
